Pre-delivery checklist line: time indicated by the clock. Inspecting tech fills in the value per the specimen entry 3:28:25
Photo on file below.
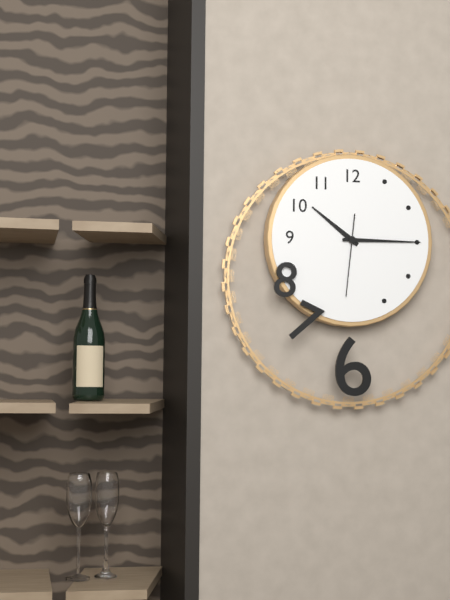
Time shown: 10:15:31
